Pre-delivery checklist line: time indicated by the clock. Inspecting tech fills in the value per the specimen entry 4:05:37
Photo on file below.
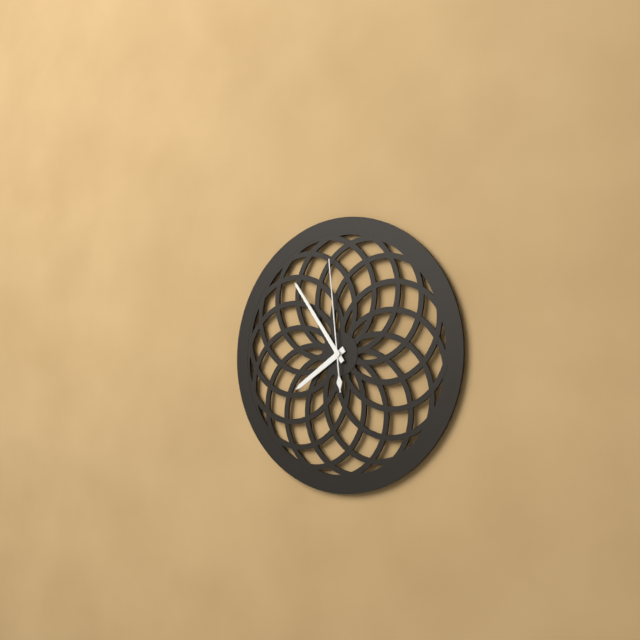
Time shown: 7:54:59
